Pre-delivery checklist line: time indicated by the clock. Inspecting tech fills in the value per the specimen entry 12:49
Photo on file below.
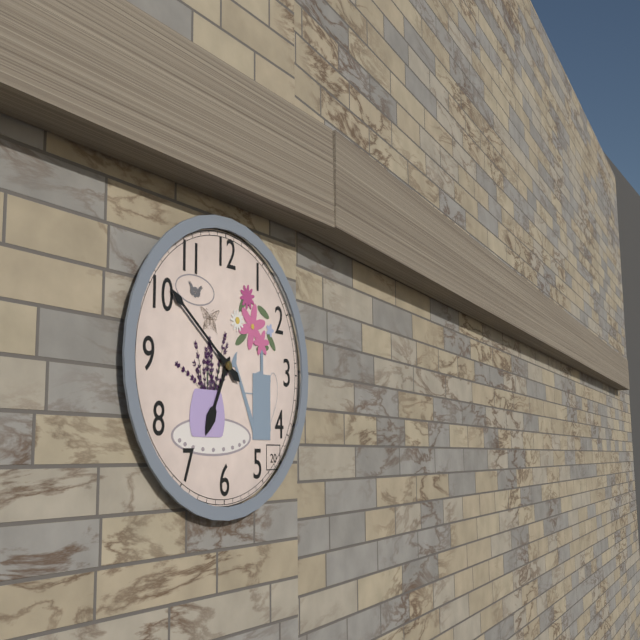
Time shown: 6:51
